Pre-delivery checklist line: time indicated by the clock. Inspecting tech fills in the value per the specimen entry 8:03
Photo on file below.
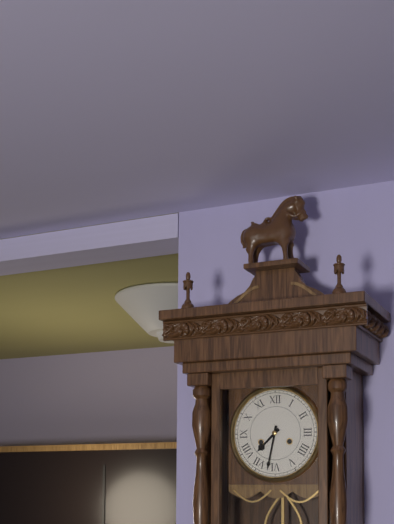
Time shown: 7:32
